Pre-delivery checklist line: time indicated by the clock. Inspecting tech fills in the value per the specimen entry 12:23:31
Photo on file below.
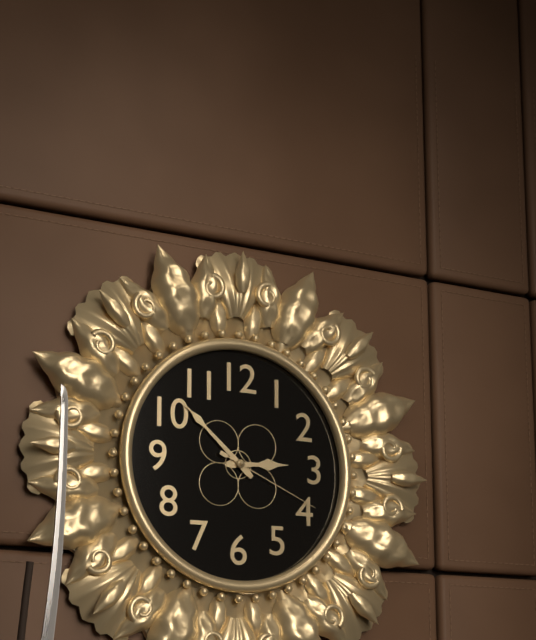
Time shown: 2:52:19
